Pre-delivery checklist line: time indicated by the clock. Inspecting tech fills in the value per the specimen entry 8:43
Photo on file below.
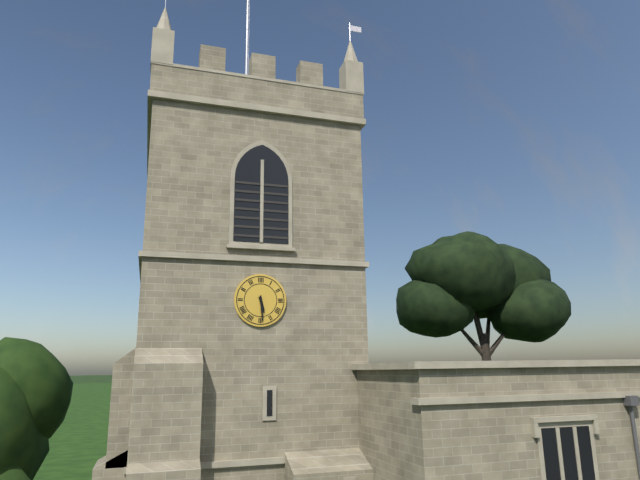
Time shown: 5:29
